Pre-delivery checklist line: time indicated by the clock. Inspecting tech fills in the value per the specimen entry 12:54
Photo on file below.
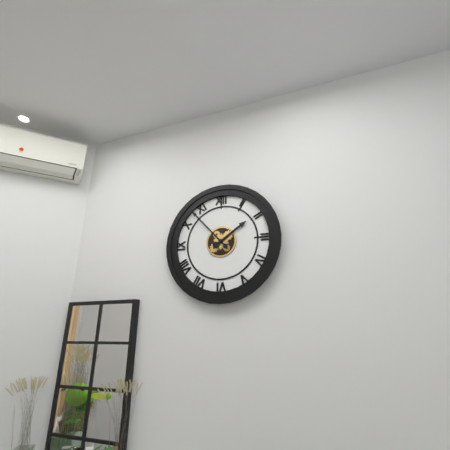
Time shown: 1:53
